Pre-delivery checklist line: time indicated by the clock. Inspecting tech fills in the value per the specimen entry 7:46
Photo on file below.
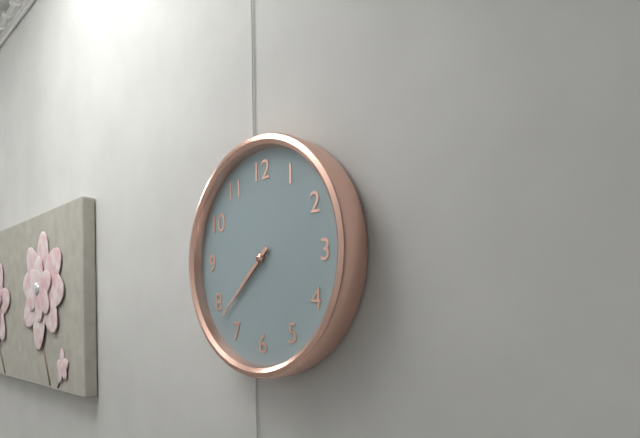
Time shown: 7:38
